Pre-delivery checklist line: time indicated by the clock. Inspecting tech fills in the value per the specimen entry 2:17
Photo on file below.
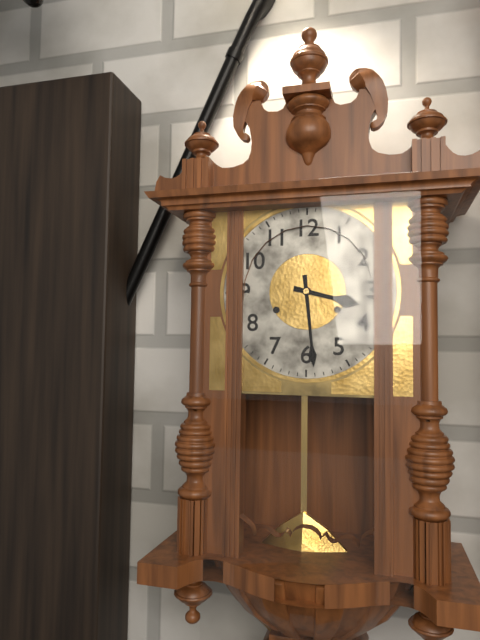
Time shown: 3:29
